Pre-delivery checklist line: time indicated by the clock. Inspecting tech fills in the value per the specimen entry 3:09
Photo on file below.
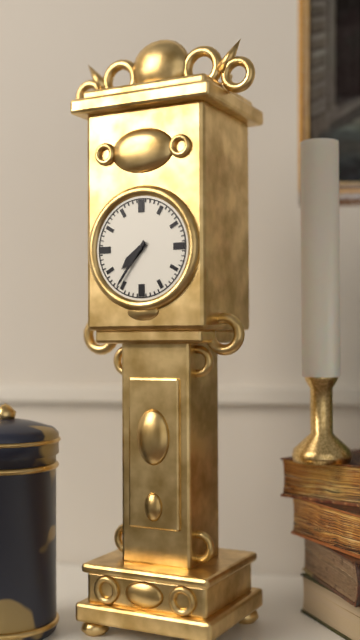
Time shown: 7:36
